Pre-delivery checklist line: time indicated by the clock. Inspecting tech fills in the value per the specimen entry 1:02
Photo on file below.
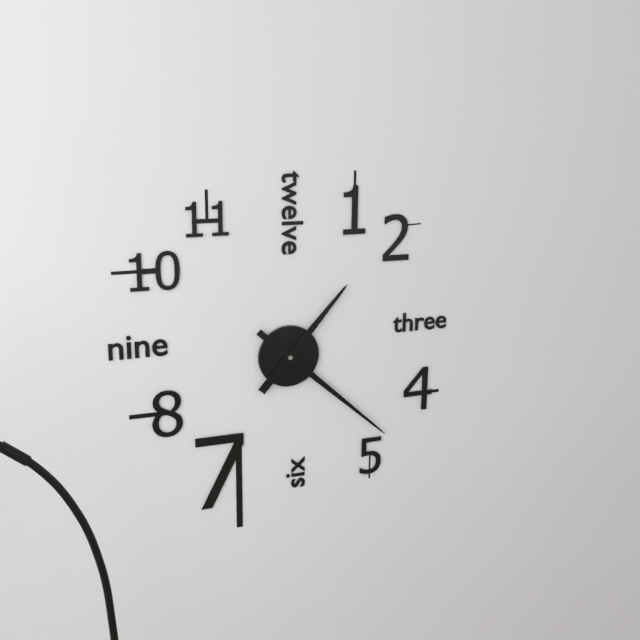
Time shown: 1:22
